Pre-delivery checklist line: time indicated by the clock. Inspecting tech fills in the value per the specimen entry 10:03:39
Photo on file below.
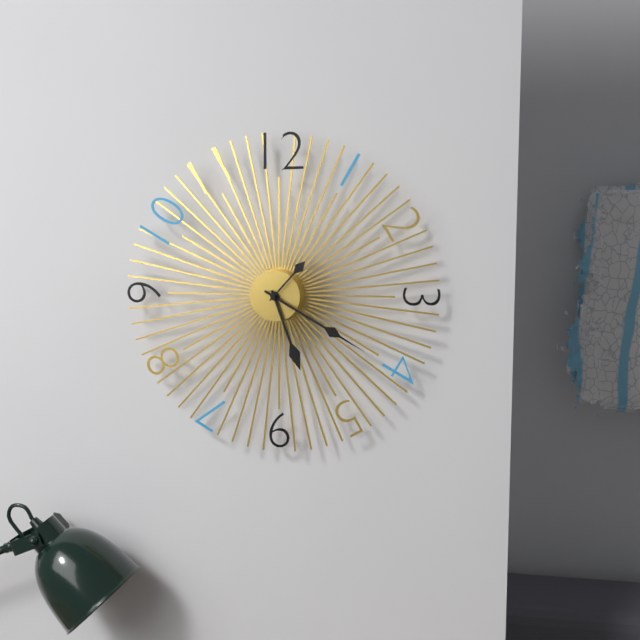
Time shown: 5:20:07
